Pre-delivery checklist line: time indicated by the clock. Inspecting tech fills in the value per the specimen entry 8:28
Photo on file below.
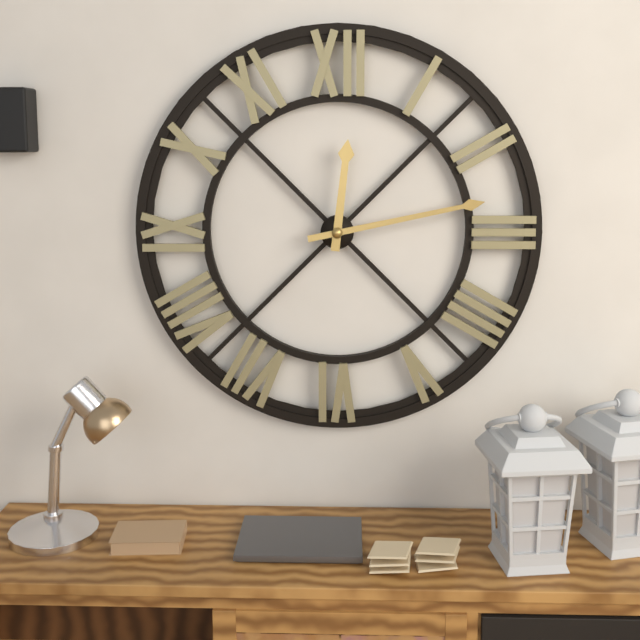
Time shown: 12:13
